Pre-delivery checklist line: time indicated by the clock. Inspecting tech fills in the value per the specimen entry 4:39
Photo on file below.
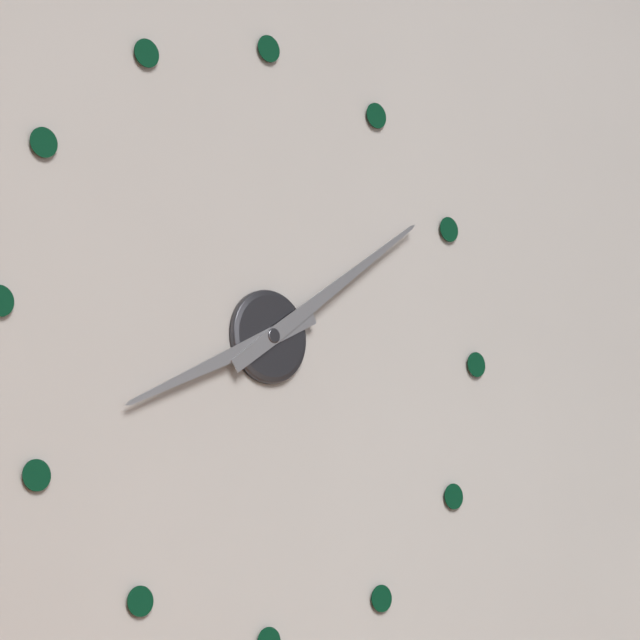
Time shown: 8:09
